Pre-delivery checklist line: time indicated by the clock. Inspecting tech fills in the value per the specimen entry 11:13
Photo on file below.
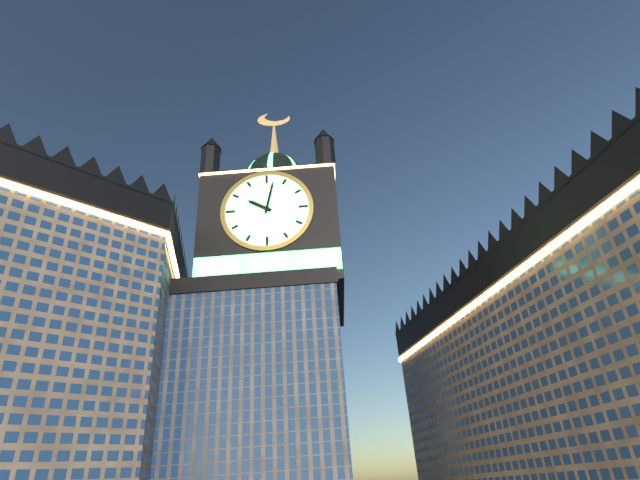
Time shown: 10:02
